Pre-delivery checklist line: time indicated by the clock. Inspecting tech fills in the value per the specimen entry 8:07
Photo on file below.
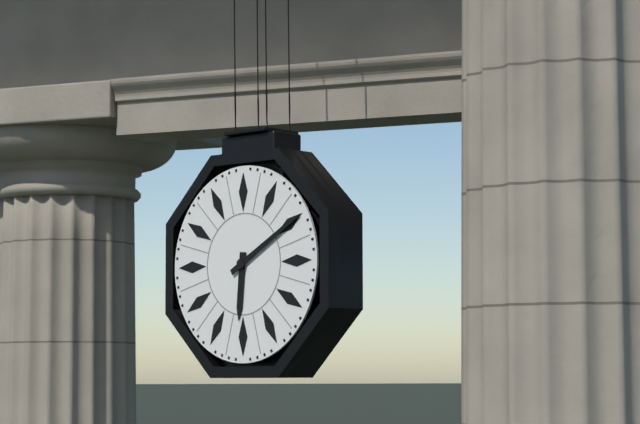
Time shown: 6:10
